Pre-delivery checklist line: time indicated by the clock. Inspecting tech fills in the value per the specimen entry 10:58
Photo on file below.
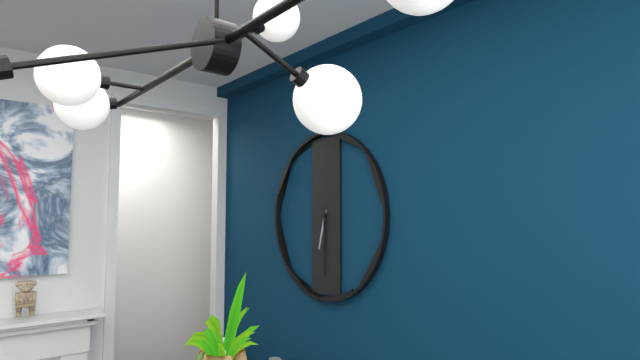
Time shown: 6:30
